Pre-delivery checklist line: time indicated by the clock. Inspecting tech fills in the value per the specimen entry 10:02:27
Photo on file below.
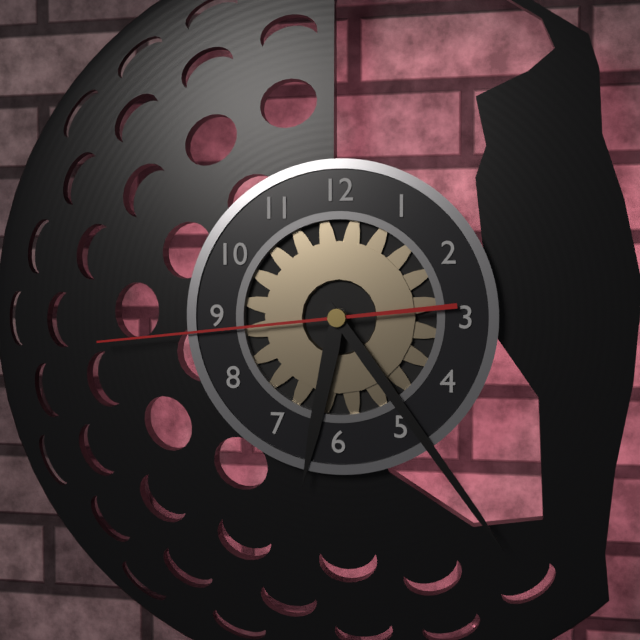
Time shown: 6:24:44
